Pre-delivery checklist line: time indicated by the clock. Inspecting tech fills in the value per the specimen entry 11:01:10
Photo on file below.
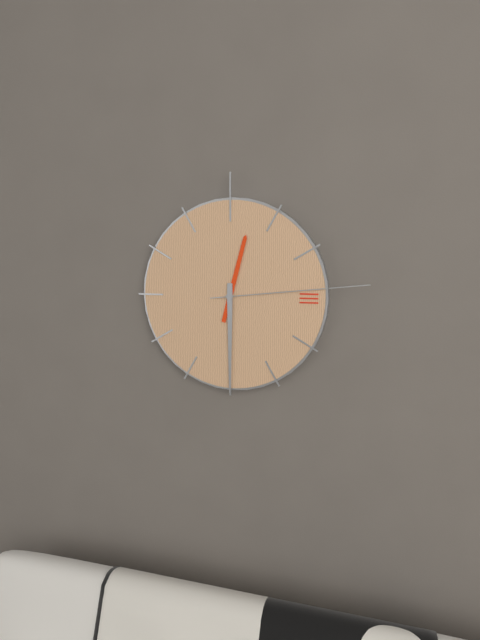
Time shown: 12:30:14
